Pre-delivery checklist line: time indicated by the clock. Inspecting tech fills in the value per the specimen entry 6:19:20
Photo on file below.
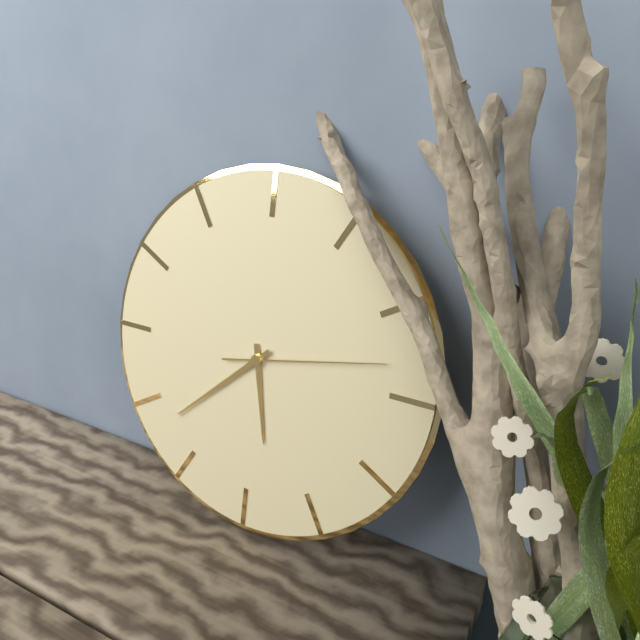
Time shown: 5:38:13
